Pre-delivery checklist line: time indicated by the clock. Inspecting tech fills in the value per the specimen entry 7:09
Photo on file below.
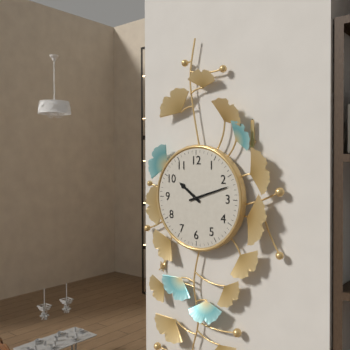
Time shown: 10:12
